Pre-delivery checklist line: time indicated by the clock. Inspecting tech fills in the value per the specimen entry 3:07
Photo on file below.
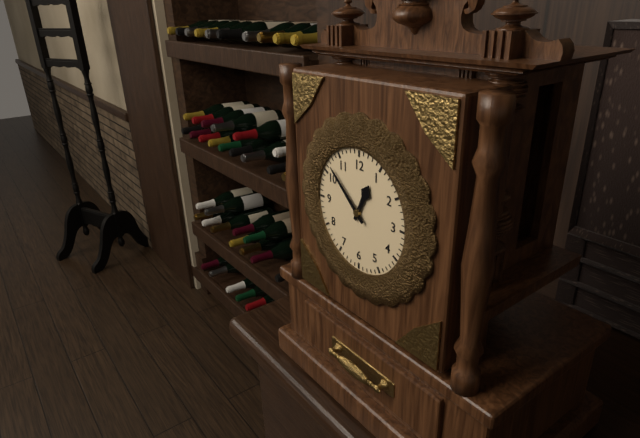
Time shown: 12:52
